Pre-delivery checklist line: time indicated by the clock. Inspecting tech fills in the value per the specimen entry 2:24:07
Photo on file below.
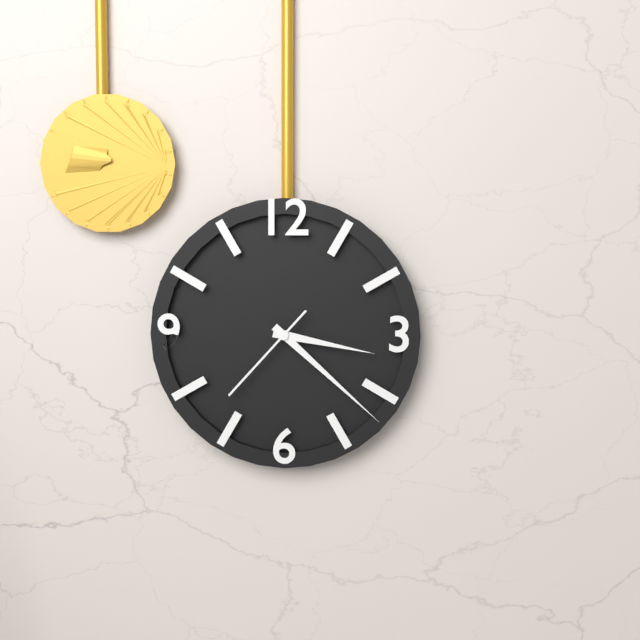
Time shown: 3:22:37
